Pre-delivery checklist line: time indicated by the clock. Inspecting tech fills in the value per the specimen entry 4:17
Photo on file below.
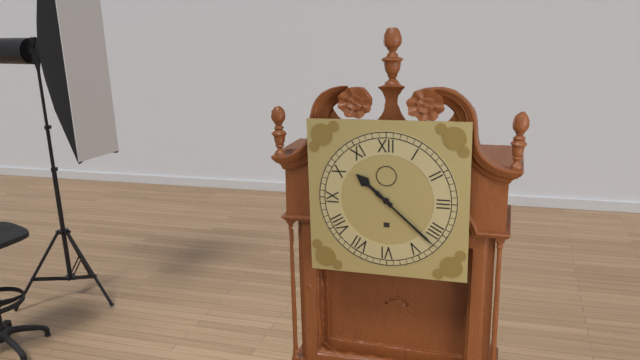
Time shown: 10:22
